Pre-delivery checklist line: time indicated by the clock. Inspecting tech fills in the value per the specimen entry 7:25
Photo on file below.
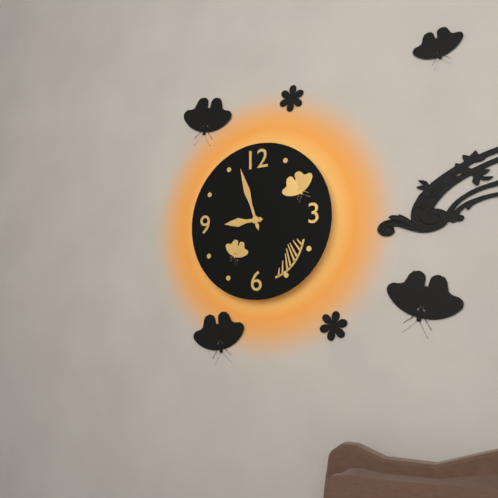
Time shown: 8:57
